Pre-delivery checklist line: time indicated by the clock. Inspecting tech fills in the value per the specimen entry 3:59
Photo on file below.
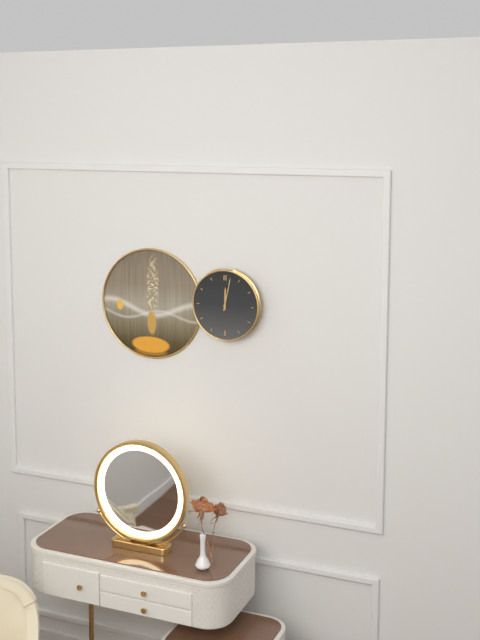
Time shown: 12:02
